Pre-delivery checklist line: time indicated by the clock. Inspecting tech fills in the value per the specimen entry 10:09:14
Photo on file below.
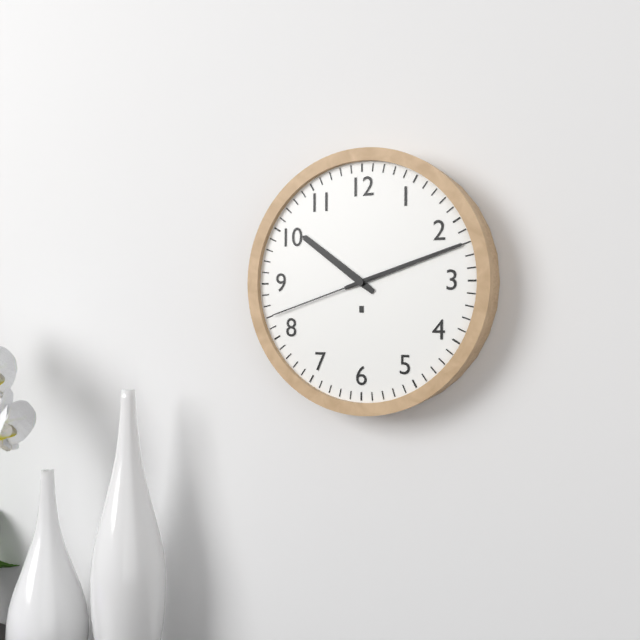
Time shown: 10:12:42
